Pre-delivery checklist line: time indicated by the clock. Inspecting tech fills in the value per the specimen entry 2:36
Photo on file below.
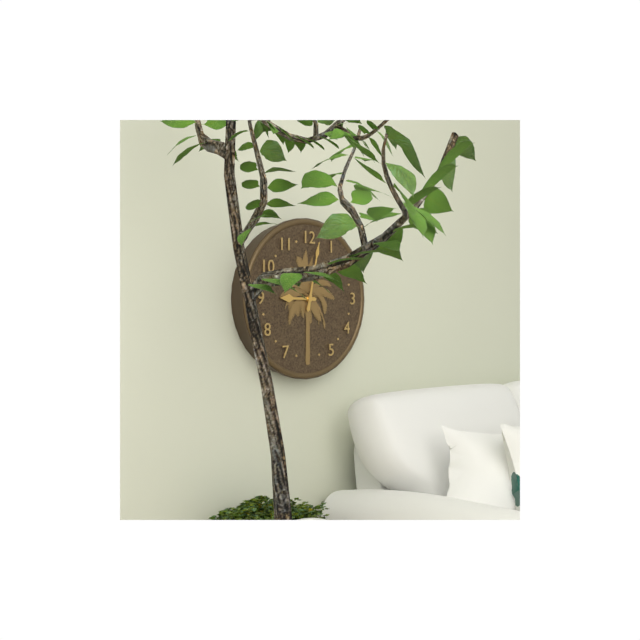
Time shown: 9:02
